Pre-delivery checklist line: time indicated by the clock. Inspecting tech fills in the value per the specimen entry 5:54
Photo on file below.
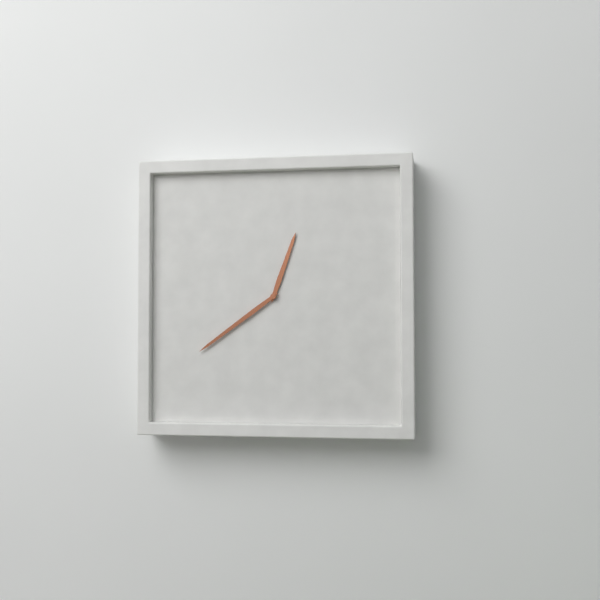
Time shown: 12:39
